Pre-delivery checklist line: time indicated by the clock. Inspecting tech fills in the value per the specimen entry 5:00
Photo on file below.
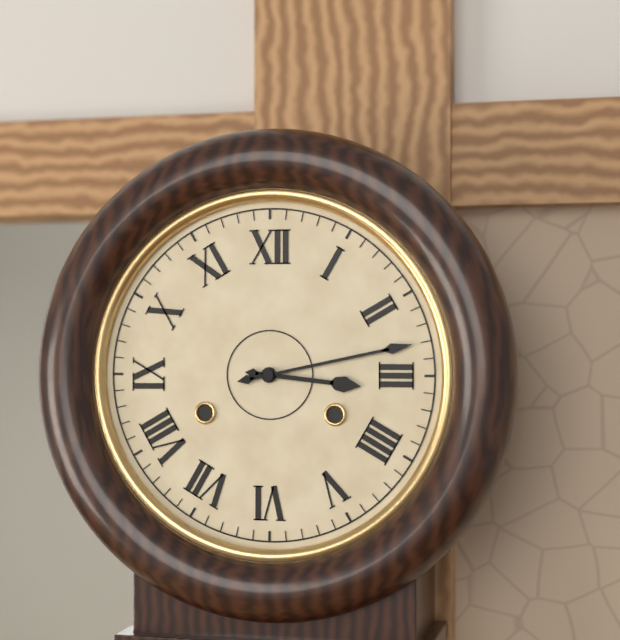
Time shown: 3:13
